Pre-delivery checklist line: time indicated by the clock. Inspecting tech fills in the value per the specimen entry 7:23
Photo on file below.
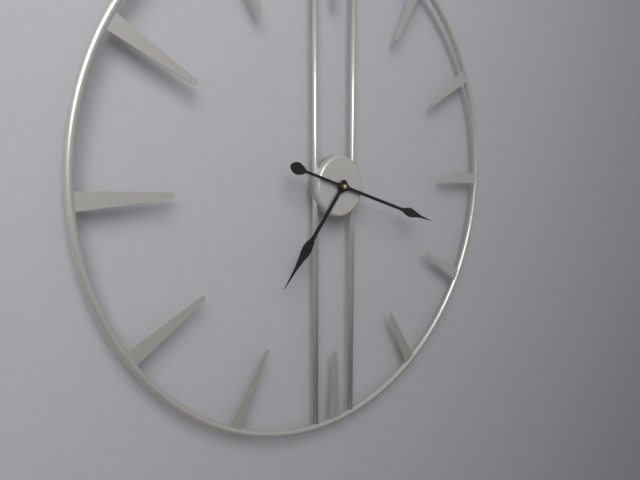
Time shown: 7:18
